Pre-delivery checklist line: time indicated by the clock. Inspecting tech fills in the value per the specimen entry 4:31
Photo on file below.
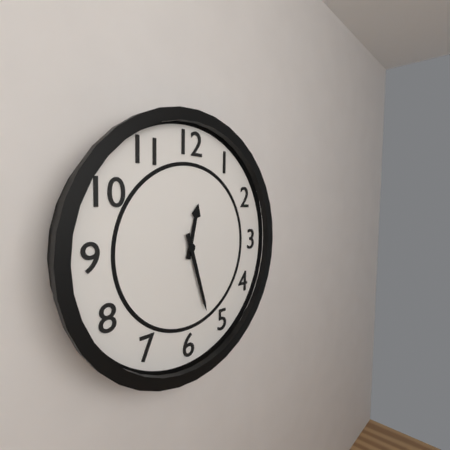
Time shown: 12:27
